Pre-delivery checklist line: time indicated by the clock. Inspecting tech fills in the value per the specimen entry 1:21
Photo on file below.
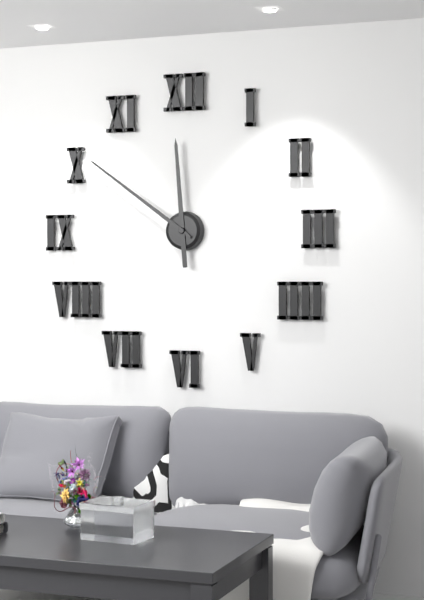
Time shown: 11:51
